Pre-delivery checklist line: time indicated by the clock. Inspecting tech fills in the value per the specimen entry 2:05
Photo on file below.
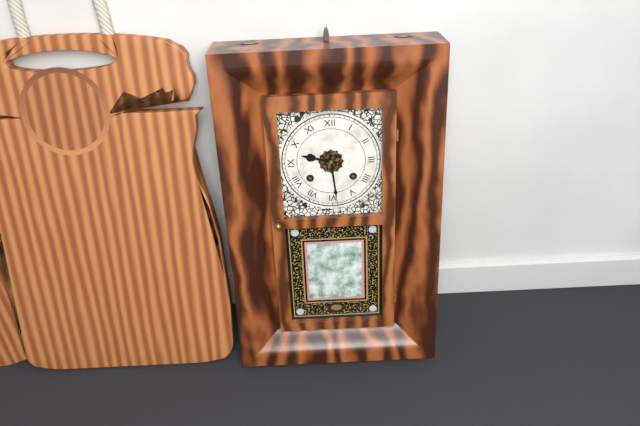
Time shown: 9:29
